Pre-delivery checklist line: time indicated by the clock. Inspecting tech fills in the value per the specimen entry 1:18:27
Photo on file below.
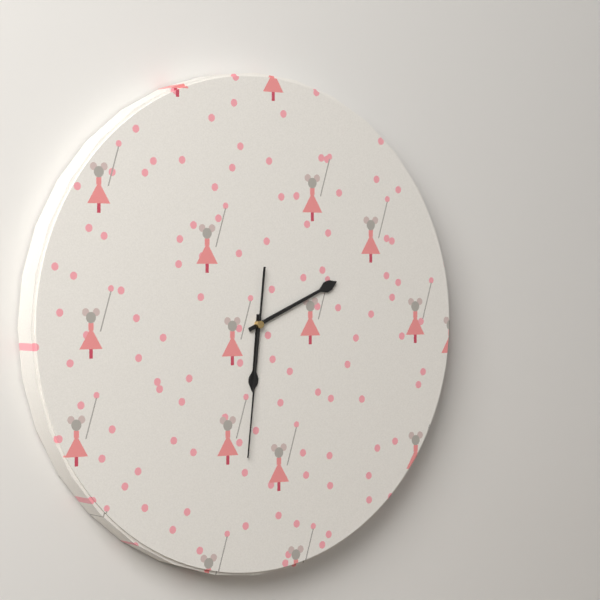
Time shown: 6:11:31
